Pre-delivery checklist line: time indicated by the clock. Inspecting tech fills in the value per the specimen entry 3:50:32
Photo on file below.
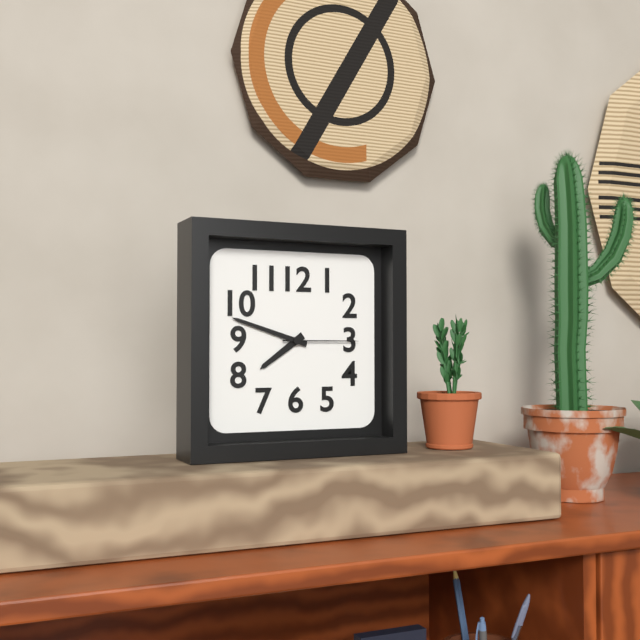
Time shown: 7:48:15
